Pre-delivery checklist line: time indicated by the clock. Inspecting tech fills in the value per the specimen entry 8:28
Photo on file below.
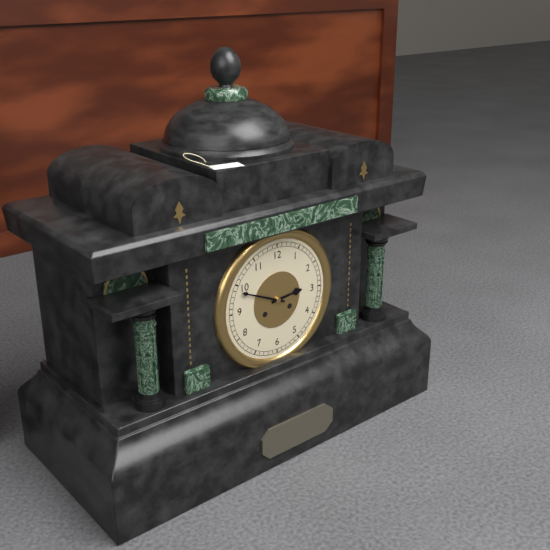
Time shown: 2:49
